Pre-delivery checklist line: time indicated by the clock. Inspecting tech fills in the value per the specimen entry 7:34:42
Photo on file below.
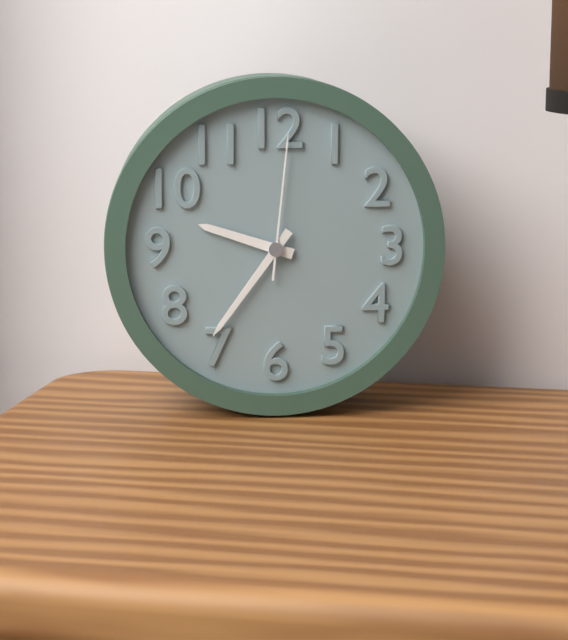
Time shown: 9:36:01
